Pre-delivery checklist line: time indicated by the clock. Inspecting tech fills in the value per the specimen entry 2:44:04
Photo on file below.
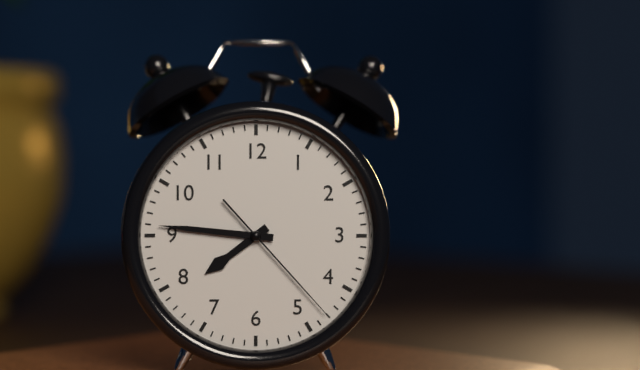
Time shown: 7:46:23
